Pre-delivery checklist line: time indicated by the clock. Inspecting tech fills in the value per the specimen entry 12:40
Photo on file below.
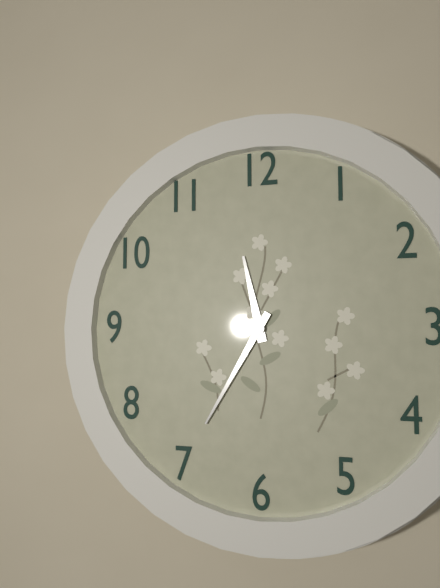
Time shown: 11:35
